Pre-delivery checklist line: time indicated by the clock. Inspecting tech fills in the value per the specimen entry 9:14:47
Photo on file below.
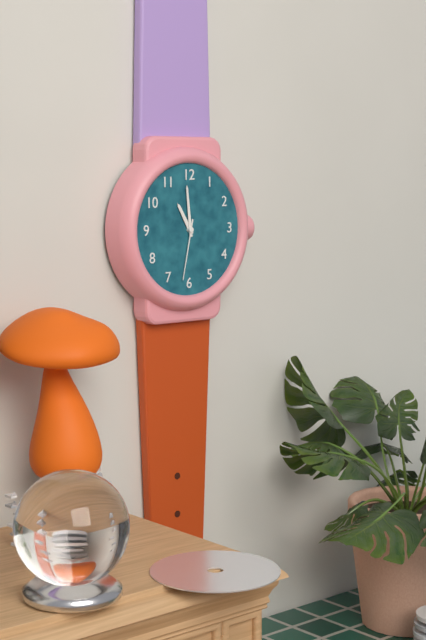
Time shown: 10:59:32
